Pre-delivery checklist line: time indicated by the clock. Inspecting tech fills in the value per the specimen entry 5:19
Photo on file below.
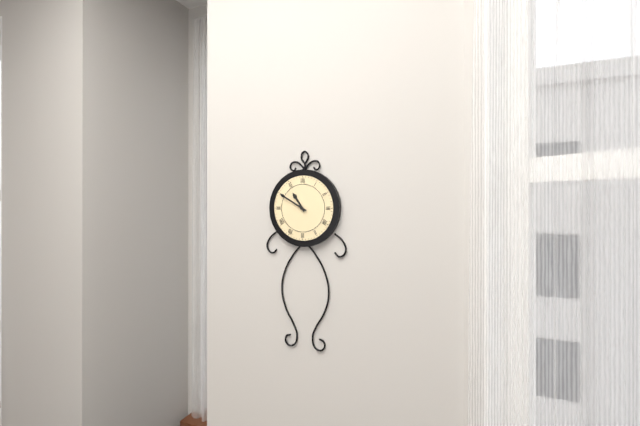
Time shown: 10:50
